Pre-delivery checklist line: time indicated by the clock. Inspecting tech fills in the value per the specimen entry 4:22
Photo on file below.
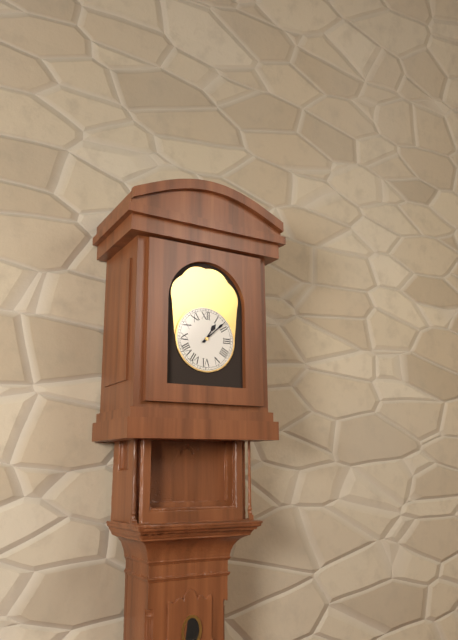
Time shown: 1:08
